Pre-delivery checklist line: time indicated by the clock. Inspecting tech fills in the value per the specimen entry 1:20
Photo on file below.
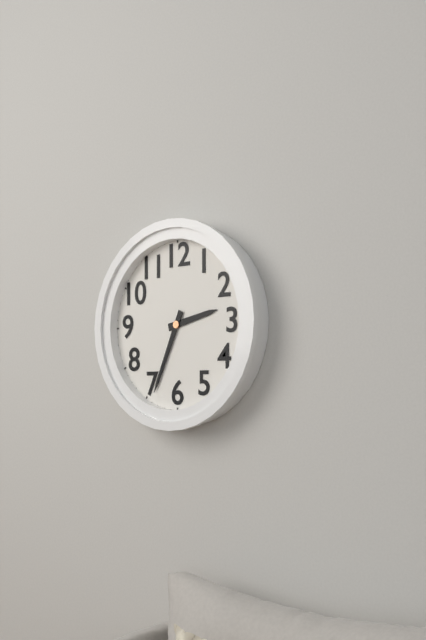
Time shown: 2:34
